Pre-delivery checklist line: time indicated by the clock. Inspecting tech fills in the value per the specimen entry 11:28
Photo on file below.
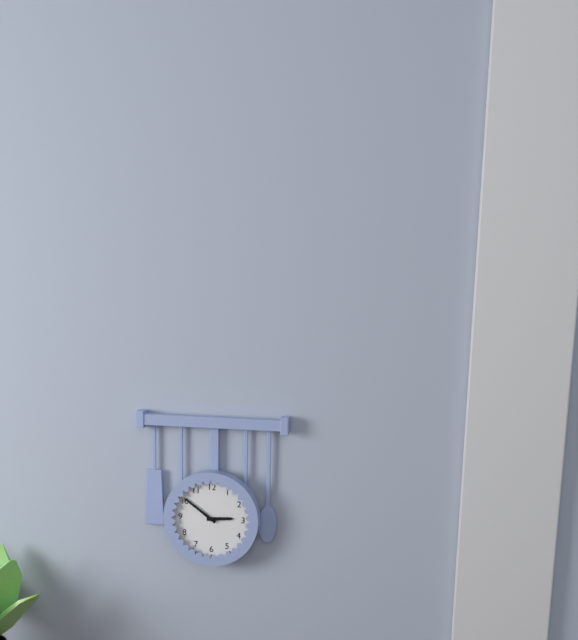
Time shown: 2:51
